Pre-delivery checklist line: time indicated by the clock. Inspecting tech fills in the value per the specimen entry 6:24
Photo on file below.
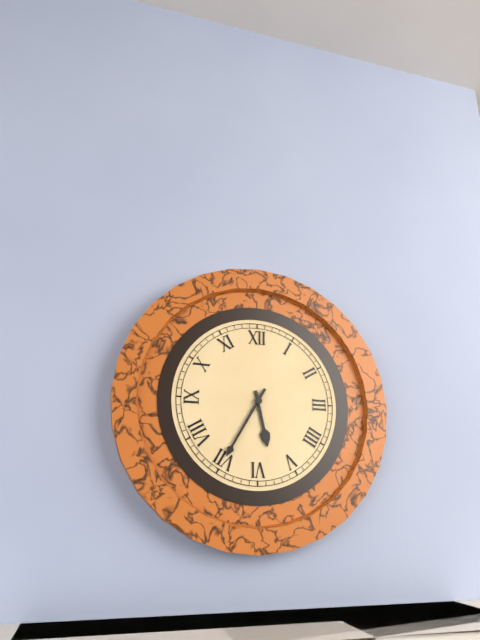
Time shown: 5:35
